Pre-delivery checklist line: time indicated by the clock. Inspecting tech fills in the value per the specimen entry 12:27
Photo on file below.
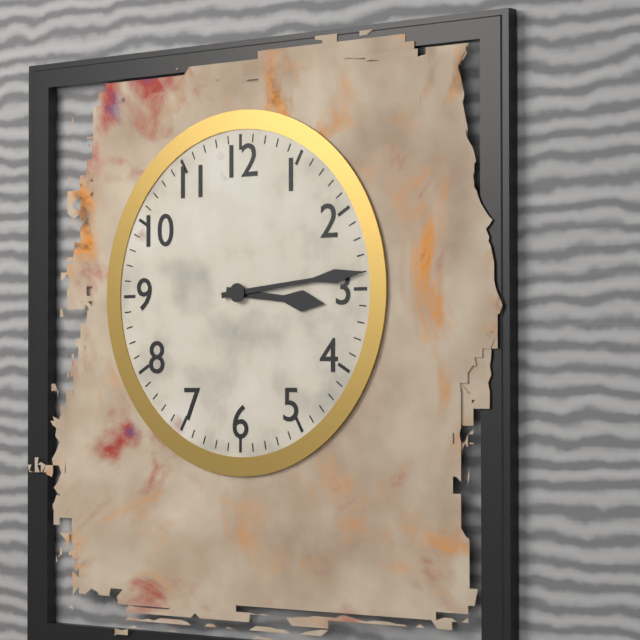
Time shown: 3:14
